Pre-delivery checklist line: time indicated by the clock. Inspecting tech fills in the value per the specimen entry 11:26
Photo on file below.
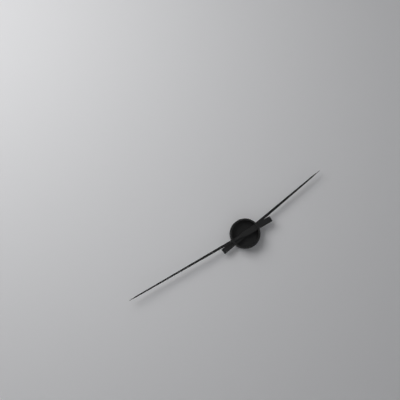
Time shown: 1:40
